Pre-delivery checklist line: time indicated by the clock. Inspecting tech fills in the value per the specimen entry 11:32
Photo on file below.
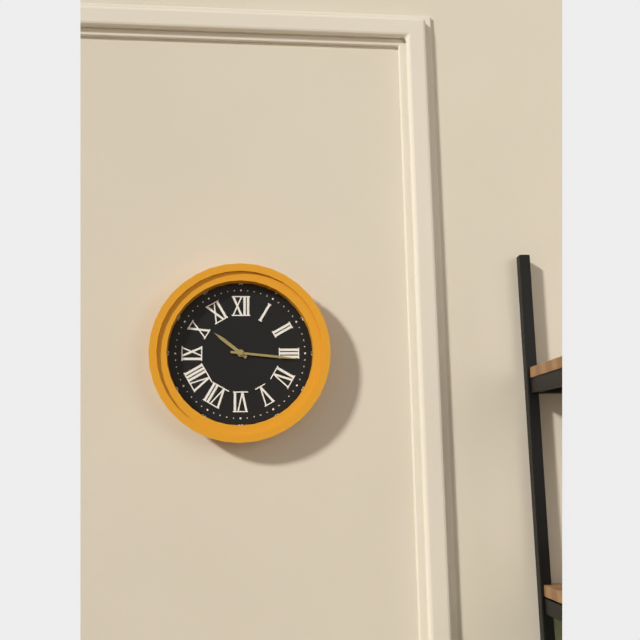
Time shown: 10:16
